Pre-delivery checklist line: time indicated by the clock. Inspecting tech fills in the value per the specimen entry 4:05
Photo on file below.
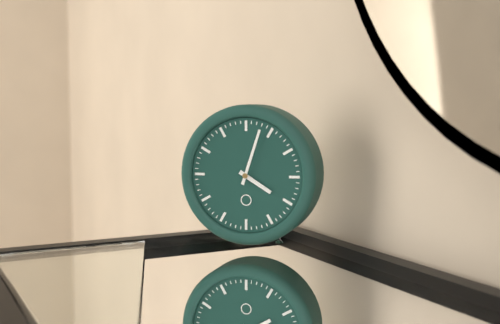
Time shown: 4:03
